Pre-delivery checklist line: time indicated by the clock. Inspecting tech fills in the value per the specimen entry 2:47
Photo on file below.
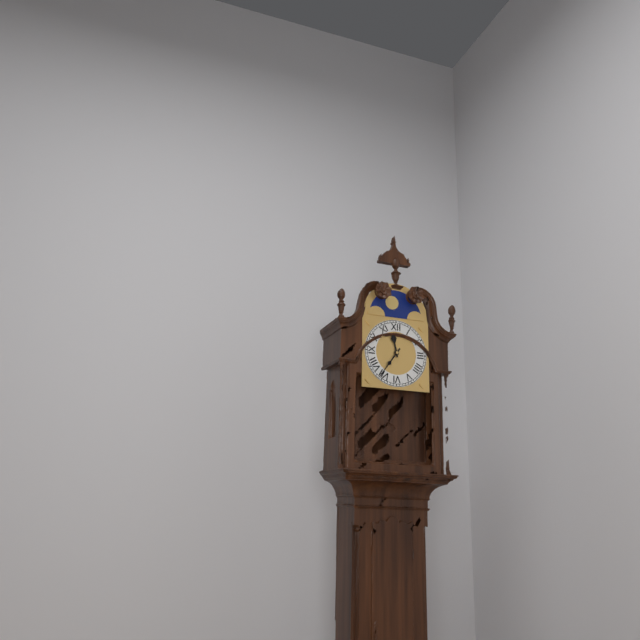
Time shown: 11:36
